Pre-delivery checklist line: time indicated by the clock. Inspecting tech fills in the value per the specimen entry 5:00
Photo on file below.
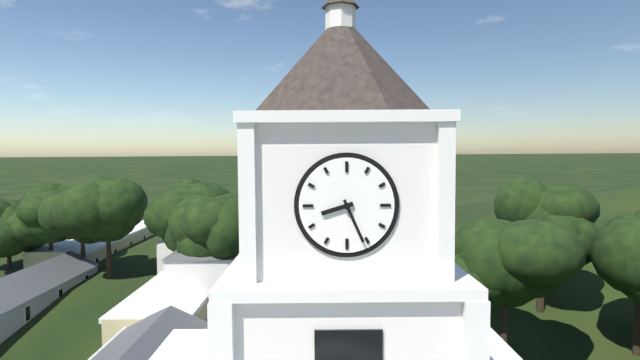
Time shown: 8:26
